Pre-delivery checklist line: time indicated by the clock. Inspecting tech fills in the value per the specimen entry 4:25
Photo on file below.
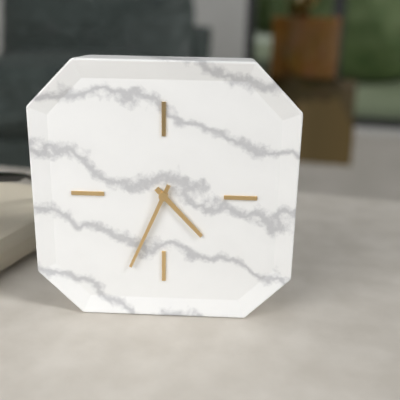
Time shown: 4:34
